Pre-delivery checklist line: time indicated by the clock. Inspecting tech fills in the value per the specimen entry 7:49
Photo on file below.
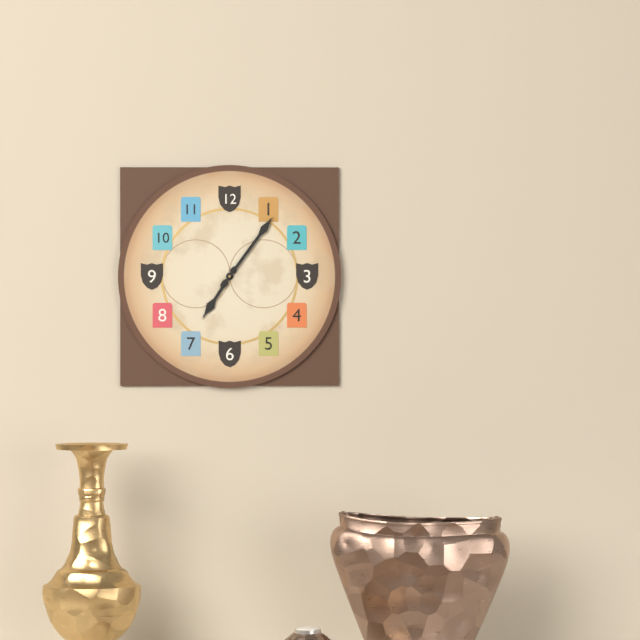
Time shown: 7:06
